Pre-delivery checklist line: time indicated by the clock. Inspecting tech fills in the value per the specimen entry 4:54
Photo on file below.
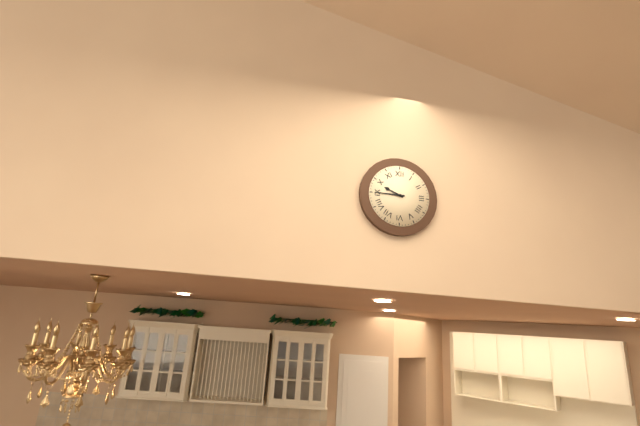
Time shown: 9:45
